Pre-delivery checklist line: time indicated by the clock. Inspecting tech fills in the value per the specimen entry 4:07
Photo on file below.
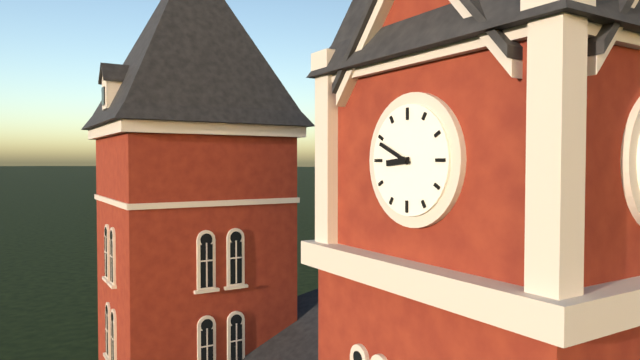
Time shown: 8:49
